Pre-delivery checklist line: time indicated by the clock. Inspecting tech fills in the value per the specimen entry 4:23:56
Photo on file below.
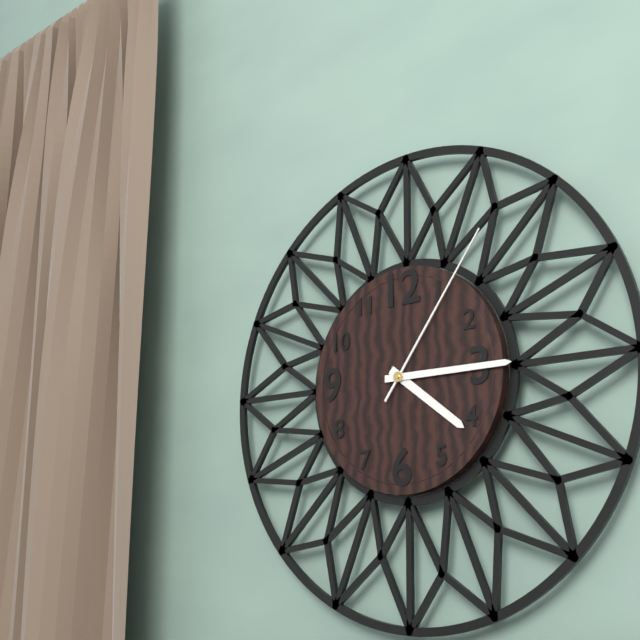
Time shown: 4:15:06
